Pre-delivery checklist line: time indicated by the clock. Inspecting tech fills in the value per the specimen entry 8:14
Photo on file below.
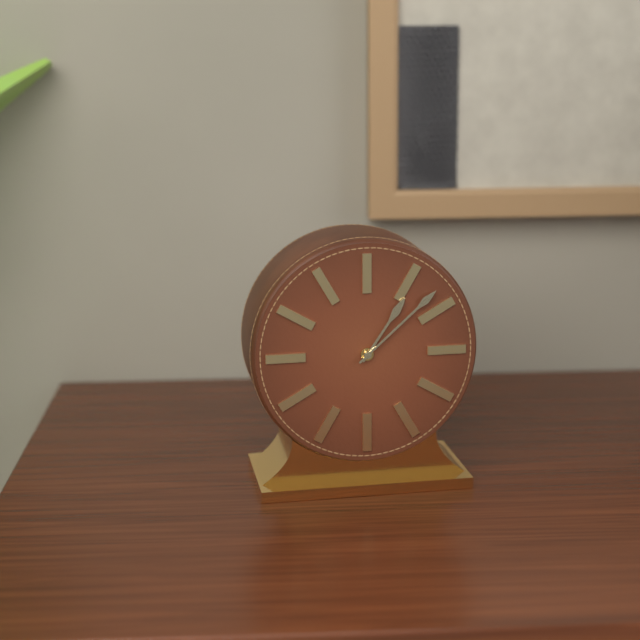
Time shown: 1:08
